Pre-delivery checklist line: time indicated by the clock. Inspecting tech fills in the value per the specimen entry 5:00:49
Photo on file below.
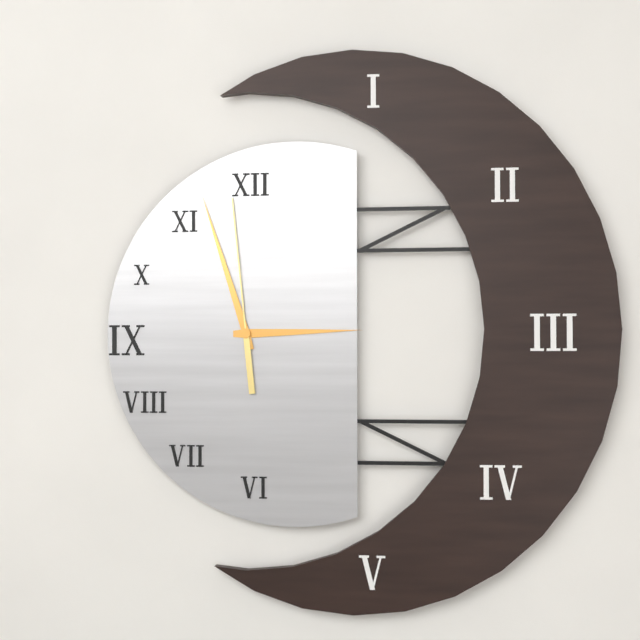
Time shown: 2:57:59
